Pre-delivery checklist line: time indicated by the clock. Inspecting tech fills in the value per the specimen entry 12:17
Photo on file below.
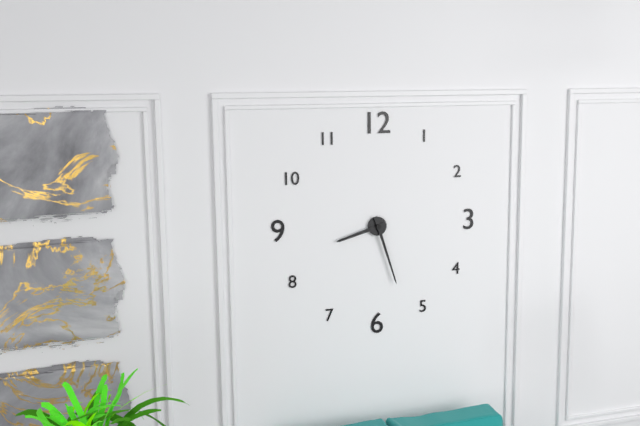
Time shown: 8:27
